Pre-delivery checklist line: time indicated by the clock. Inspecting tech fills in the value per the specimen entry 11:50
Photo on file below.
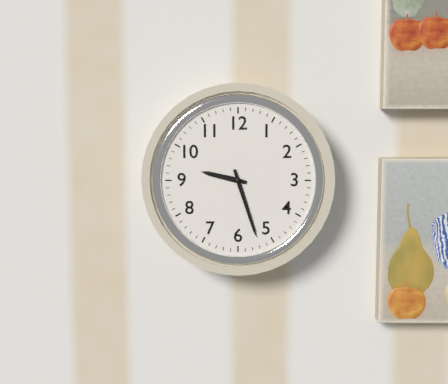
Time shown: 9:27
